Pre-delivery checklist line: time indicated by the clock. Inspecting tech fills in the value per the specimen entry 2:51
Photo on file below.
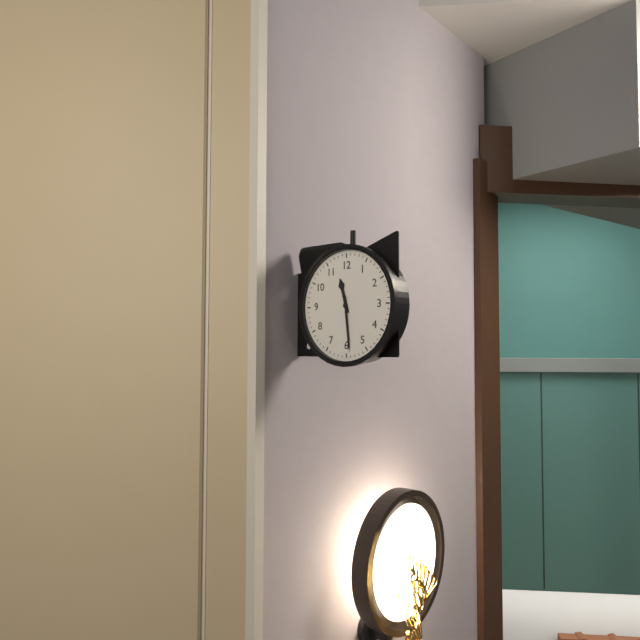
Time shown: 11:29
